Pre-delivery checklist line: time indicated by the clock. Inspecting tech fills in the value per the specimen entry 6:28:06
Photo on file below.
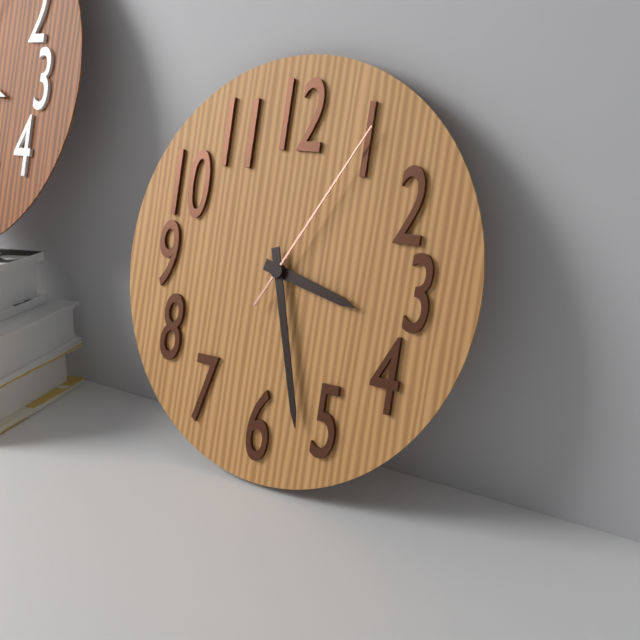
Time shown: 3:27:05
